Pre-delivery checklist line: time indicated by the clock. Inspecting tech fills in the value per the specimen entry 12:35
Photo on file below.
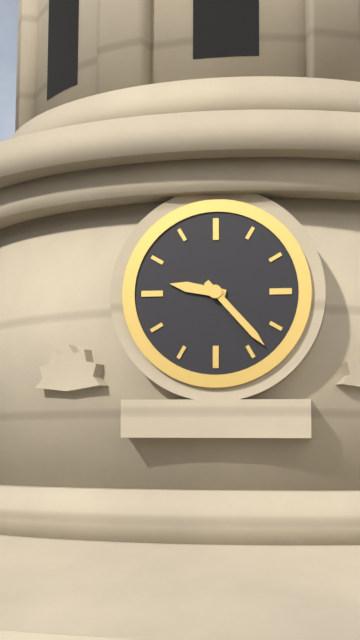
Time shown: 9:23
